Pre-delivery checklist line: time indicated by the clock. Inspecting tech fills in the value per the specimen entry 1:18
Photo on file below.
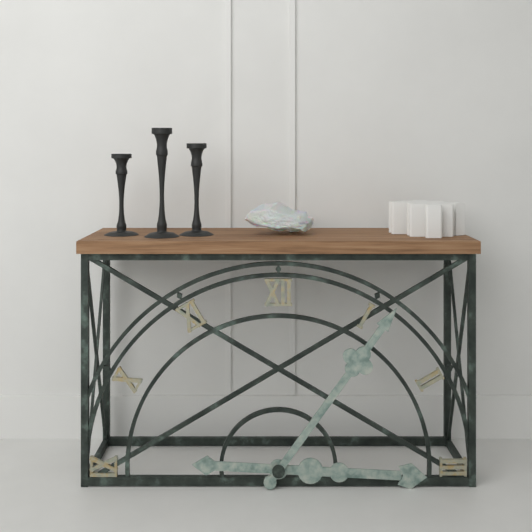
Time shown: 3:06
